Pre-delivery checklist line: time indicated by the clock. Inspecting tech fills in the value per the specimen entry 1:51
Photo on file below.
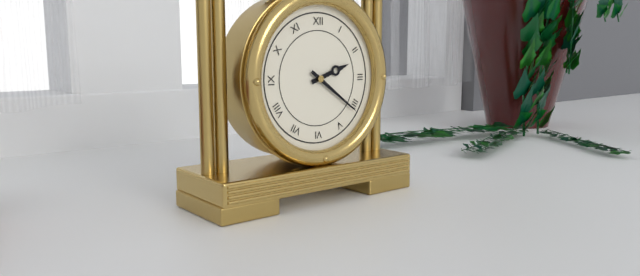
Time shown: 2:21
